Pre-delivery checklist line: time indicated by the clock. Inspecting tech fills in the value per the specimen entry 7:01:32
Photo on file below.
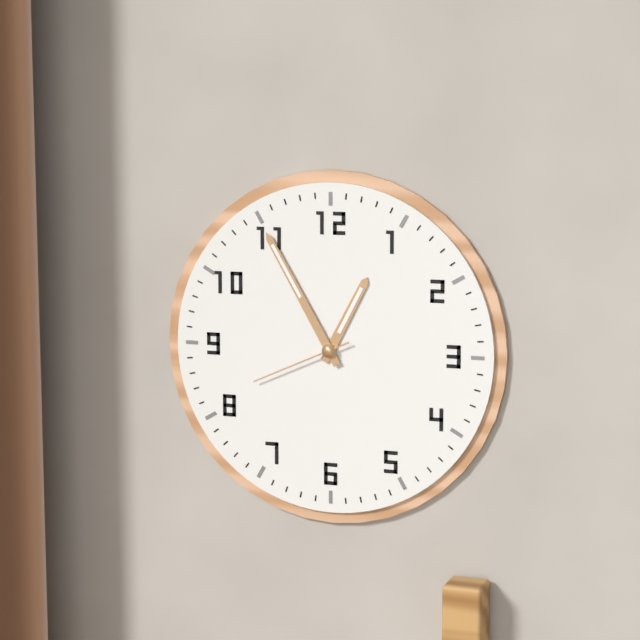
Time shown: 12:55:41
